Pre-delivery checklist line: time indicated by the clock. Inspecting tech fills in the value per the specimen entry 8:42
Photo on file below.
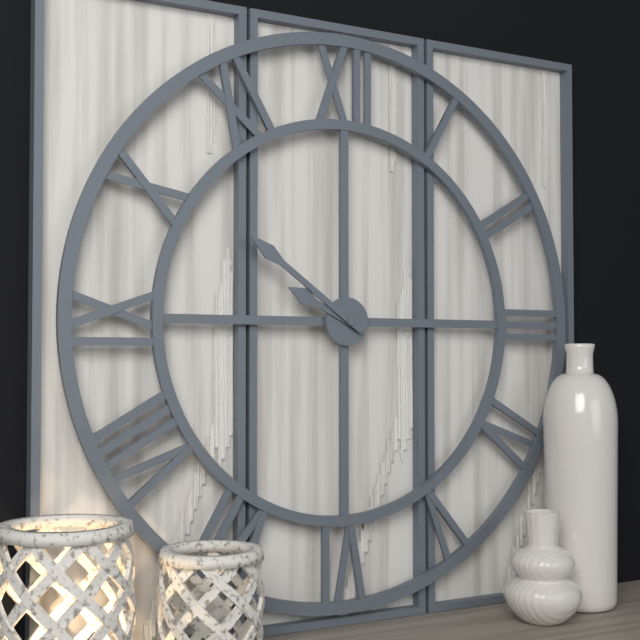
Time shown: 9:51
